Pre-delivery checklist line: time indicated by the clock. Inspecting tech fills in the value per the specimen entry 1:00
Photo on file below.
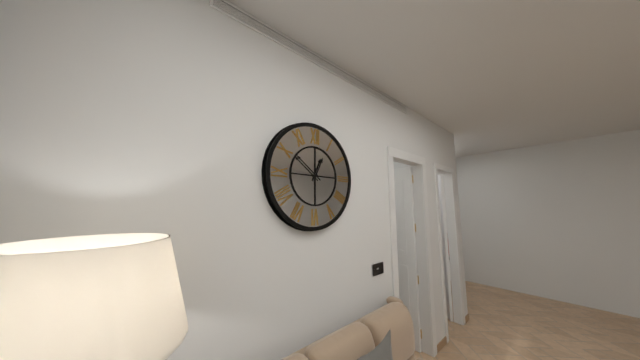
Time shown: 12:51
